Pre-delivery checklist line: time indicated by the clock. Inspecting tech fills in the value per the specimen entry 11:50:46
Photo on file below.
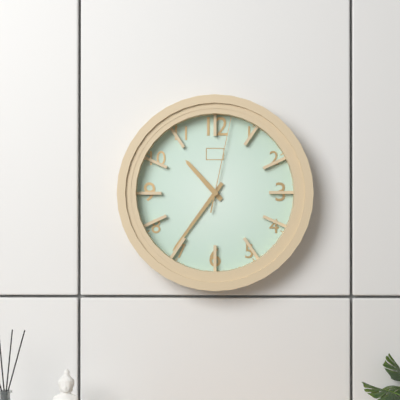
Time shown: 10:36:02
